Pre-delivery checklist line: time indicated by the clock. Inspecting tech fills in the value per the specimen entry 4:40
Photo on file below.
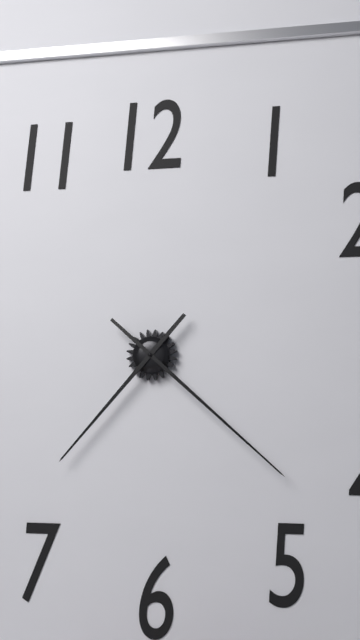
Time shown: 7:22
